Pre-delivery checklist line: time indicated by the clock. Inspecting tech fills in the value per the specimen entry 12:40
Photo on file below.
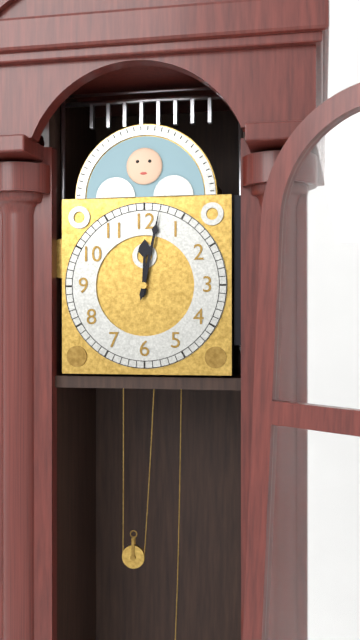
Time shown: 12:02
